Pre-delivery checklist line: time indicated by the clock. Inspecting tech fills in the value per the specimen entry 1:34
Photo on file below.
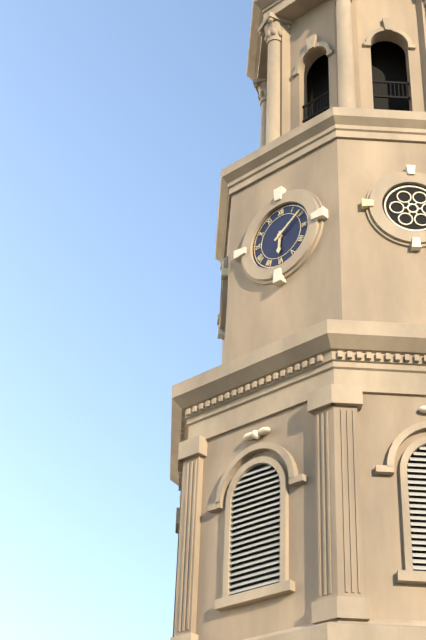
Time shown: 6:09
